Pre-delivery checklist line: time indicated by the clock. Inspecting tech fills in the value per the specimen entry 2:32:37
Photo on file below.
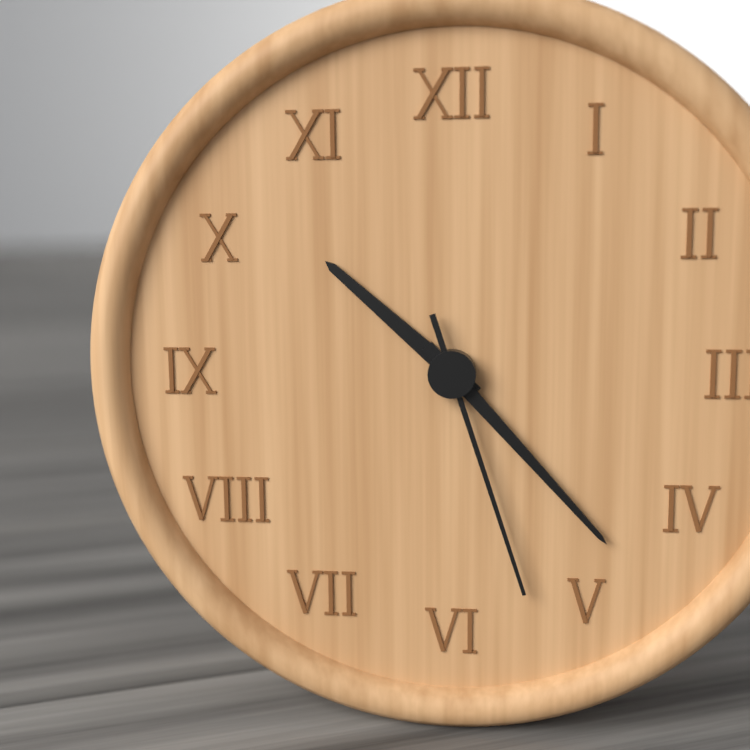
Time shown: 10:23:27
